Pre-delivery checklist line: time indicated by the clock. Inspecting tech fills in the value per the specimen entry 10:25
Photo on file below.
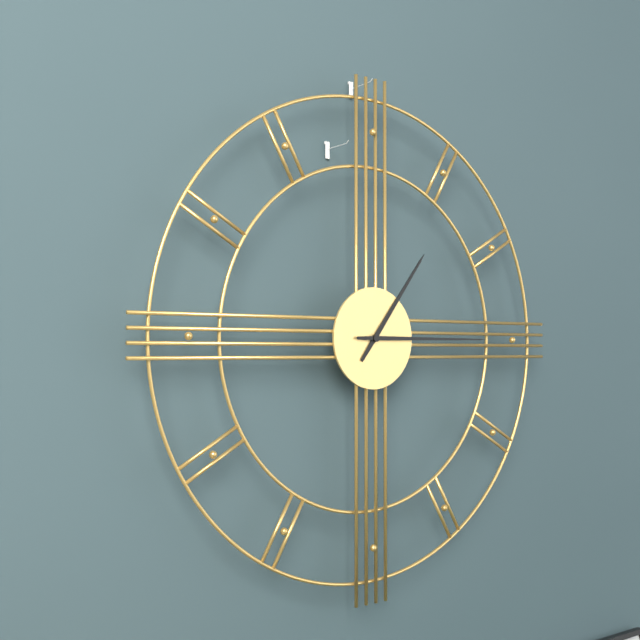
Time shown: 1:15
